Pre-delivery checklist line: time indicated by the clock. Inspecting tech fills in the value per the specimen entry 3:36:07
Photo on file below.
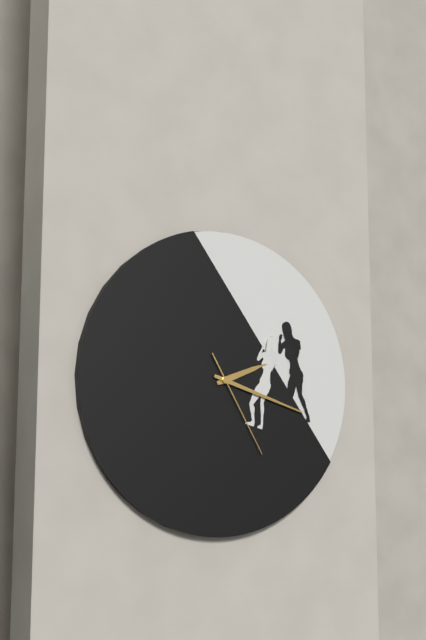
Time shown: 2:18:25
